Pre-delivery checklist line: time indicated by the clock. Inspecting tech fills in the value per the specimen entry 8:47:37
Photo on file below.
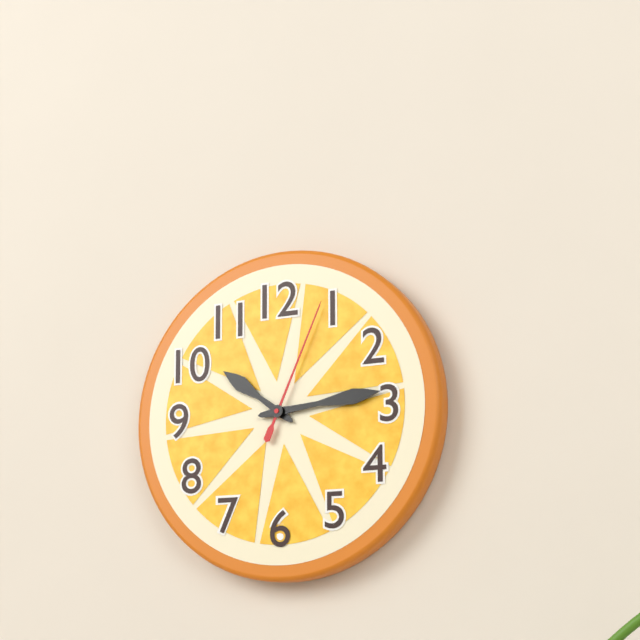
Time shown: 10:14:04
